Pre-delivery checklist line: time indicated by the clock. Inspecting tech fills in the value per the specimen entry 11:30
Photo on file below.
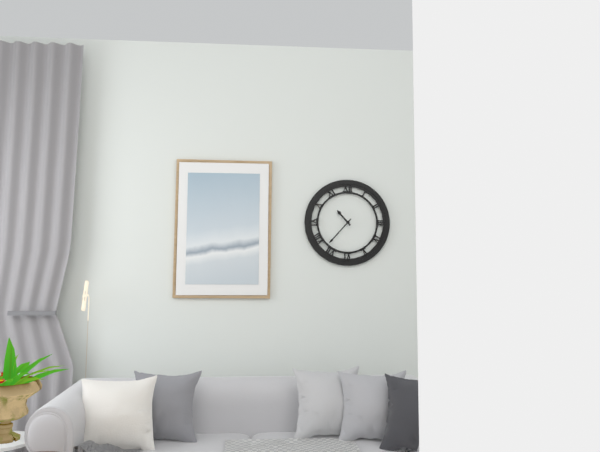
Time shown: 10:37
